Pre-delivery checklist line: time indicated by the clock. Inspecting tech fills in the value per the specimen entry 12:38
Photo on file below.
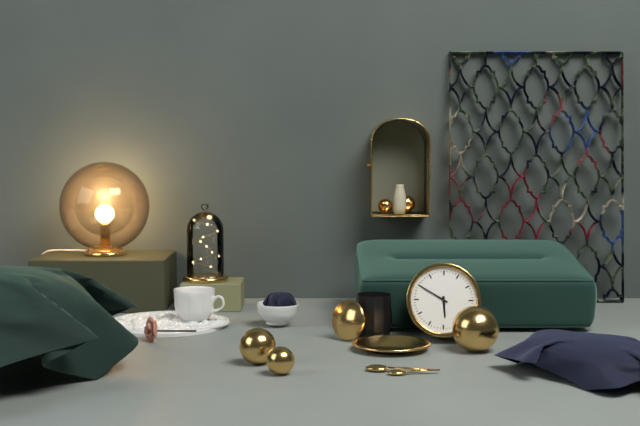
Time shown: 5:50
